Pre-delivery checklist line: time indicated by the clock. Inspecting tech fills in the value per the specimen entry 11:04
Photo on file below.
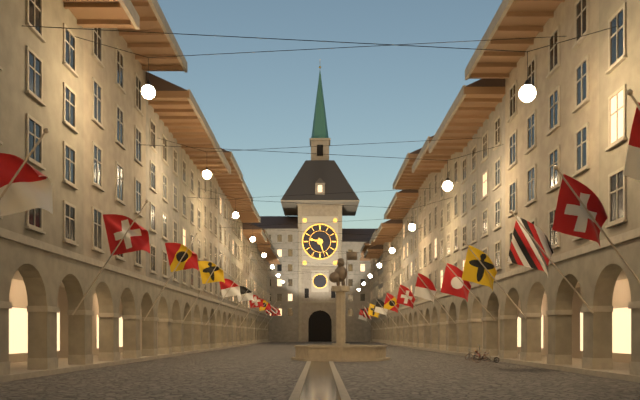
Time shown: 9:27
